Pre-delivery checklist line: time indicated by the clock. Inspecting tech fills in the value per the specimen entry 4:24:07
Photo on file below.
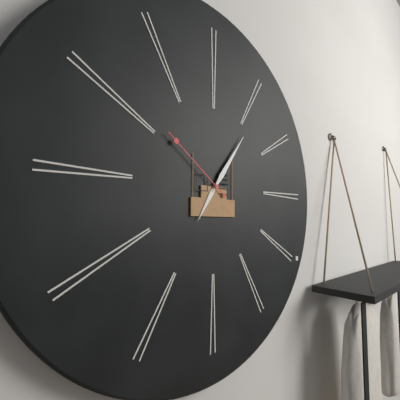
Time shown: 7:06:51
